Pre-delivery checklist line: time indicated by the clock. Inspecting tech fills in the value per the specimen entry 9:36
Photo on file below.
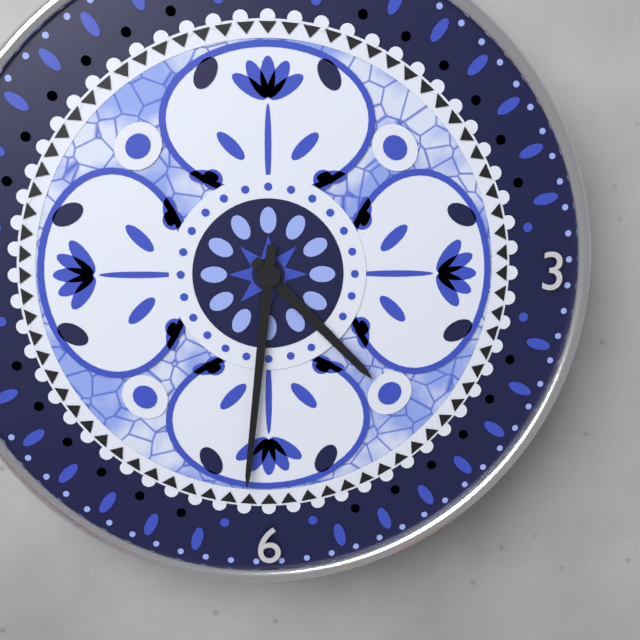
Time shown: 4:31
